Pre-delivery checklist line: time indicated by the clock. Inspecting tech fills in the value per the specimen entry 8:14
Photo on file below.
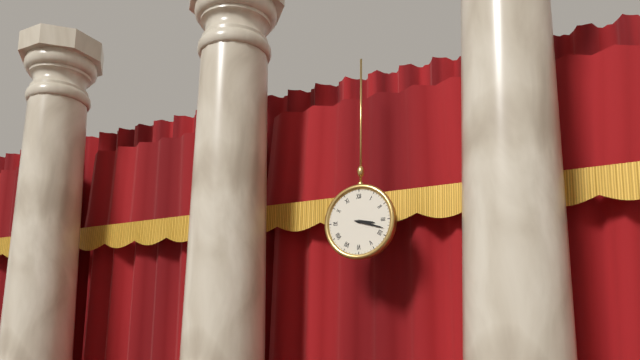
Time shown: 3:18
